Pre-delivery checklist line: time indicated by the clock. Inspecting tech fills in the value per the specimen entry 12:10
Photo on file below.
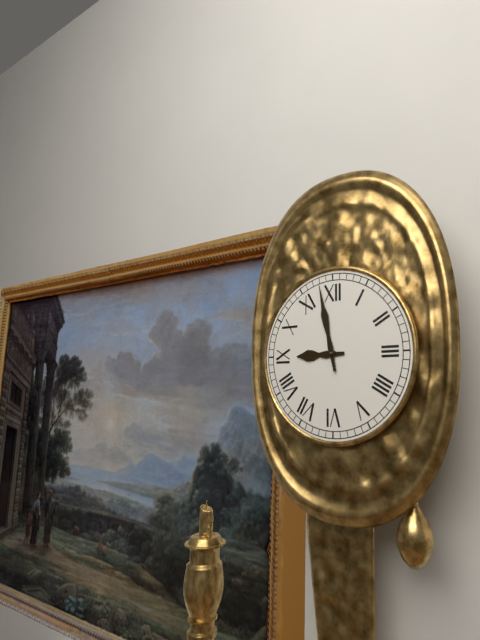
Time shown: 8:58
